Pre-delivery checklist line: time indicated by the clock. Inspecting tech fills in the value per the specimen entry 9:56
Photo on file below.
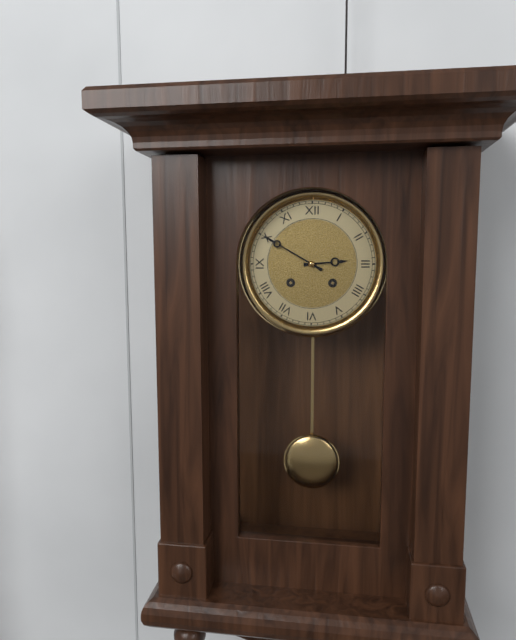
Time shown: 2:50
